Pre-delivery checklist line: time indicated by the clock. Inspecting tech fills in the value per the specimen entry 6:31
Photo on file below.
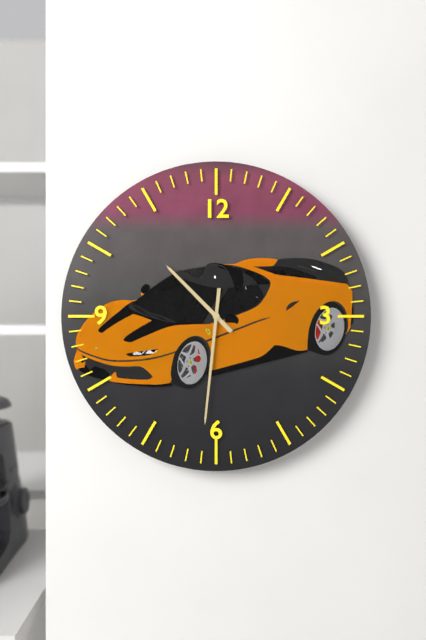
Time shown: 10:31
